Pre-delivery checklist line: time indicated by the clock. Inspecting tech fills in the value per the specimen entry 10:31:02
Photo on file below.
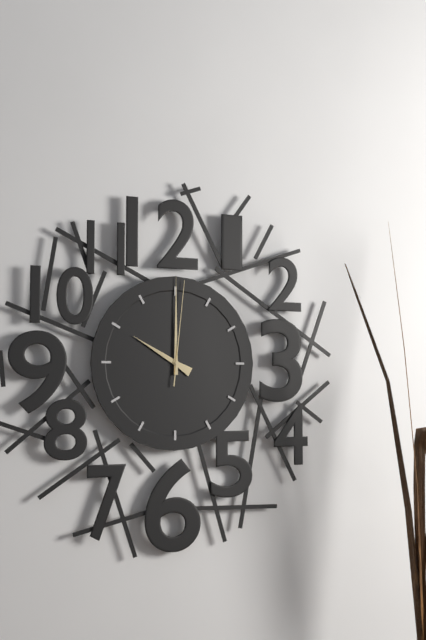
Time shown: 10:00:01
